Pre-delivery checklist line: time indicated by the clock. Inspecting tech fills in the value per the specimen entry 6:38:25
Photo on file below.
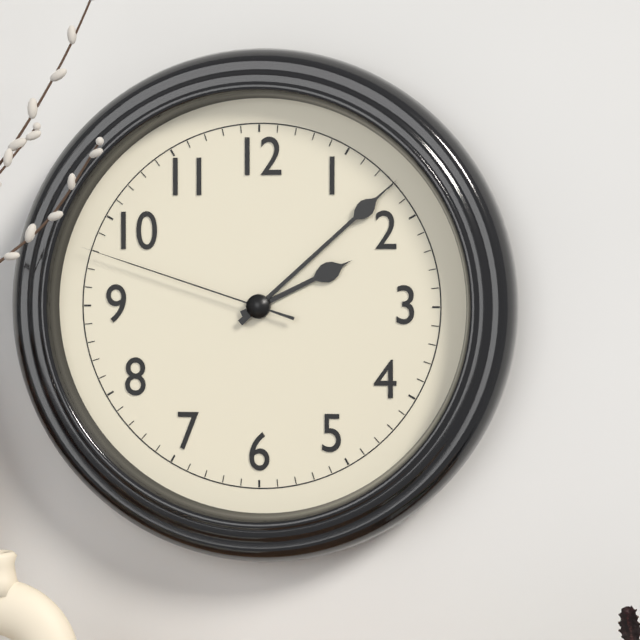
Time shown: 2:08:48
